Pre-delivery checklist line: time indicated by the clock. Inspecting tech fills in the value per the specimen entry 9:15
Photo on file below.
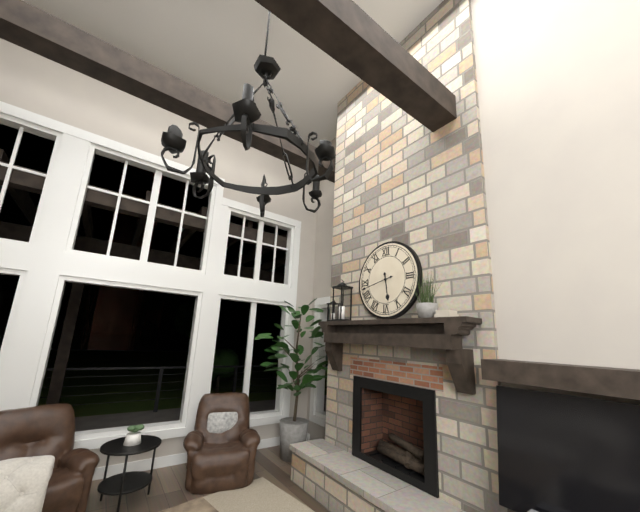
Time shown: 5:43
